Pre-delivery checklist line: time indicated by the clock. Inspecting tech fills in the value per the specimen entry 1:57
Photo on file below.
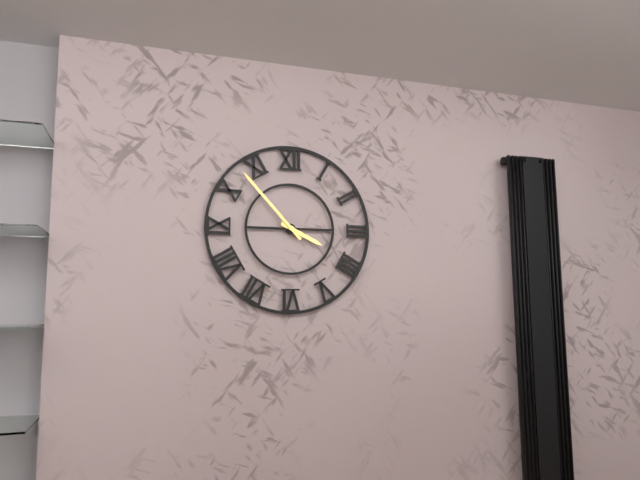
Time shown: 3:53
